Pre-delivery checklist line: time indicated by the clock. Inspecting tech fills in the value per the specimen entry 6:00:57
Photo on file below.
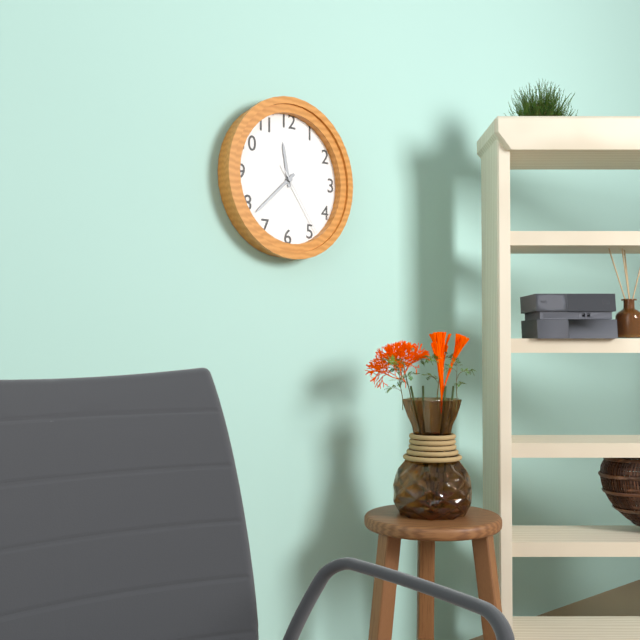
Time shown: 11:38:24
